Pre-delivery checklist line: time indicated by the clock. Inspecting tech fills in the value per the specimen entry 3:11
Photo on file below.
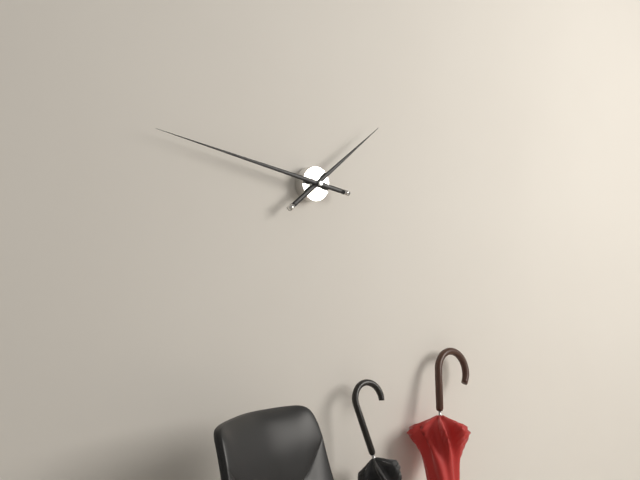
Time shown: 1:47
